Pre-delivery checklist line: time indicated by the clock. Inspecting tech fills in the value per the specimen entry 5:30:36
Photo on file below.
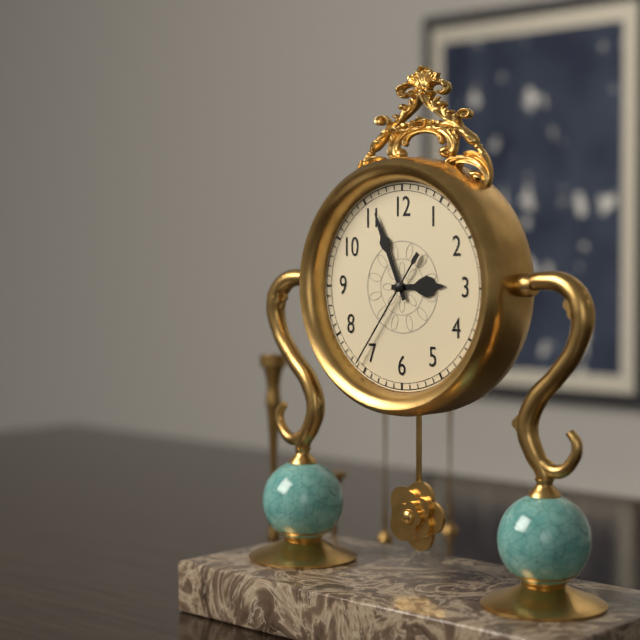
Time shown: 2:56:36
